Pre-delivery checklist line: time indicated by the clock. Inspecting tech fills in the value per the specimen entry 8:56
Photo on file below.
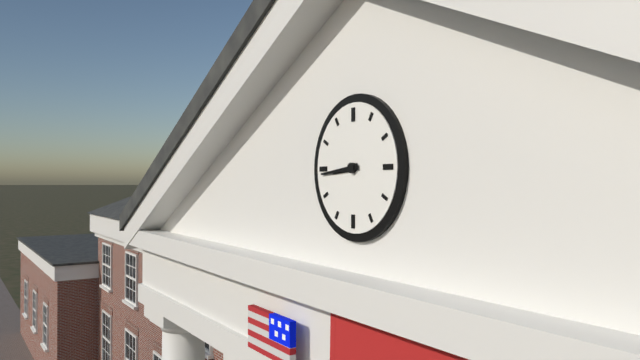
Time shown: 8:44
